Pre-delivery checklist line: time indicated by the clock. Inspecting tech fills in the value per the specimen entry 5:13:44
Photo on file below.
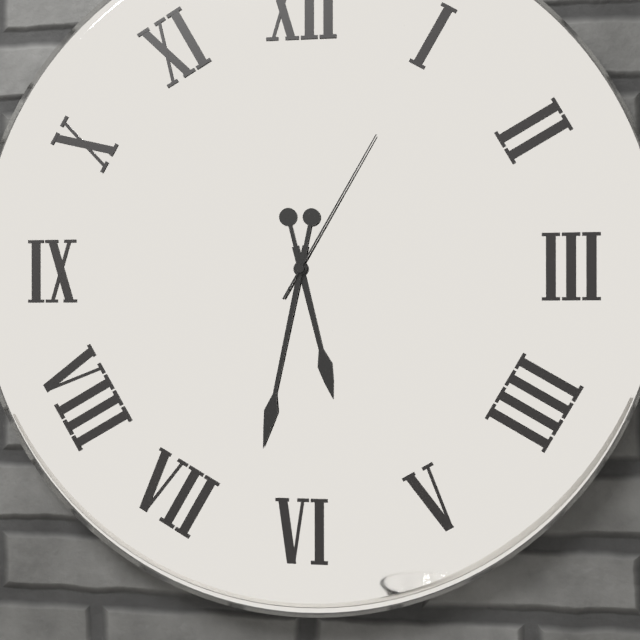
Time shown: 5:32:05
